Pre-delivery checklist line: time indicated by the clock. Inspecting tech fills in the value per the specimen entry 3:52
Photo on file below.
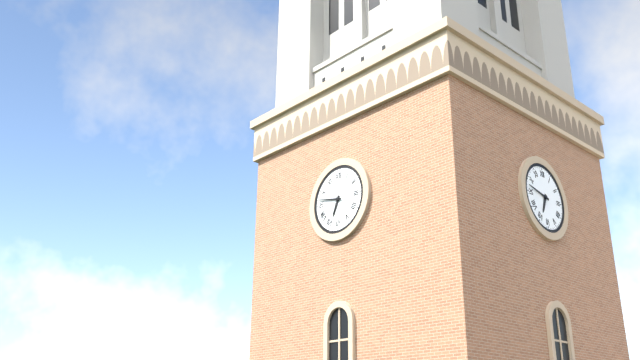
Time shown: 6:47
